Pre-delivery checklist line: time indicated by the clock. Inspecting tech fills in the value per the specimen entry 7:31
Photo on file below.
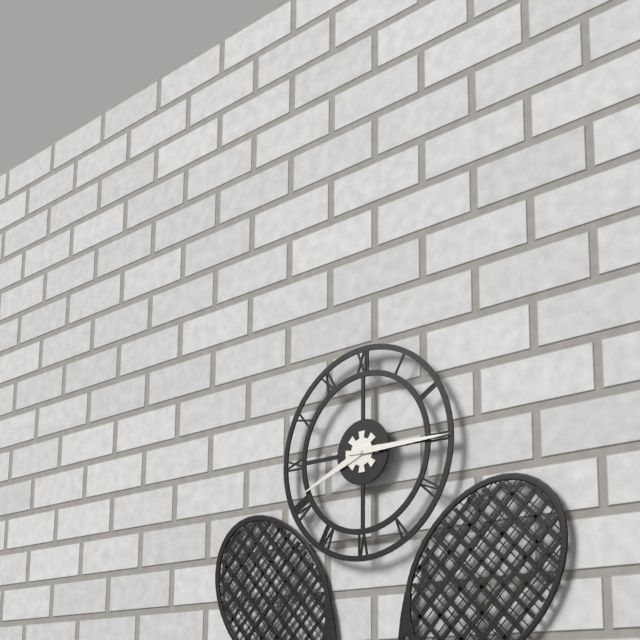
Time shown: 8:15
